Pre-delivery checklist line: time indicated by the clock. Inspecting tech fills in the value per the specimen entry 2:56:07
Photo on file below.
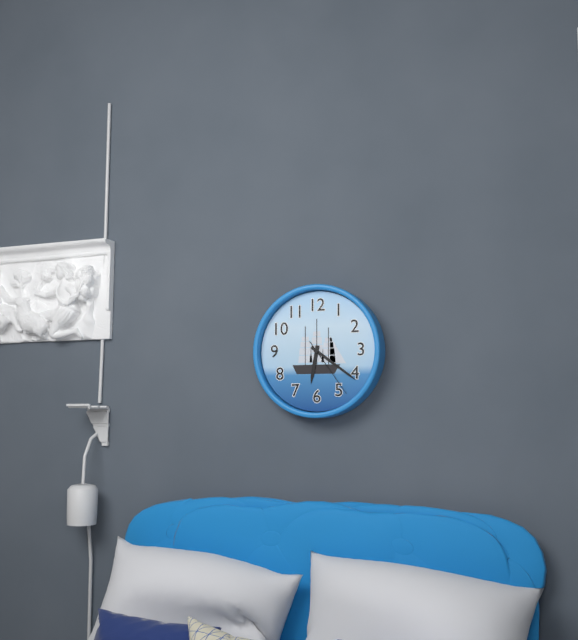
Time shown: 6:21:24
